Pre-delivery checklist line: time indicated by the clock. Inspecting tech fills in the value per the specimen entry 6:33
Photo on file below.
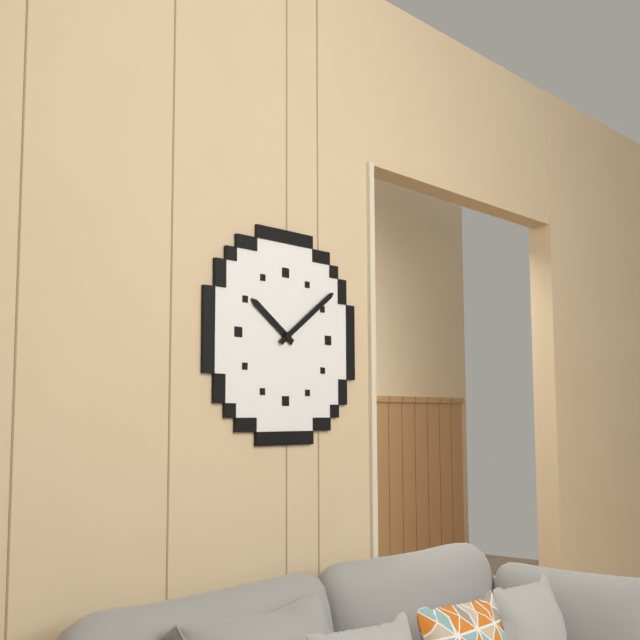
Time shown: 10:09
